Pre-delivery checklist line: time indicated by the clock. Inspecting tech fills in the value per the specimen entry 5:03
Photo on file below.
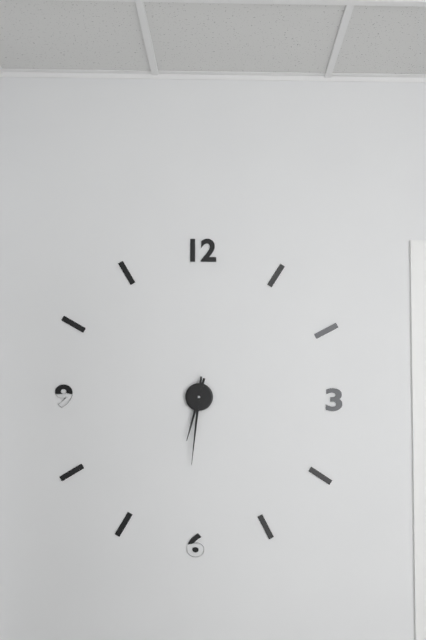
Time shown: 6:31
